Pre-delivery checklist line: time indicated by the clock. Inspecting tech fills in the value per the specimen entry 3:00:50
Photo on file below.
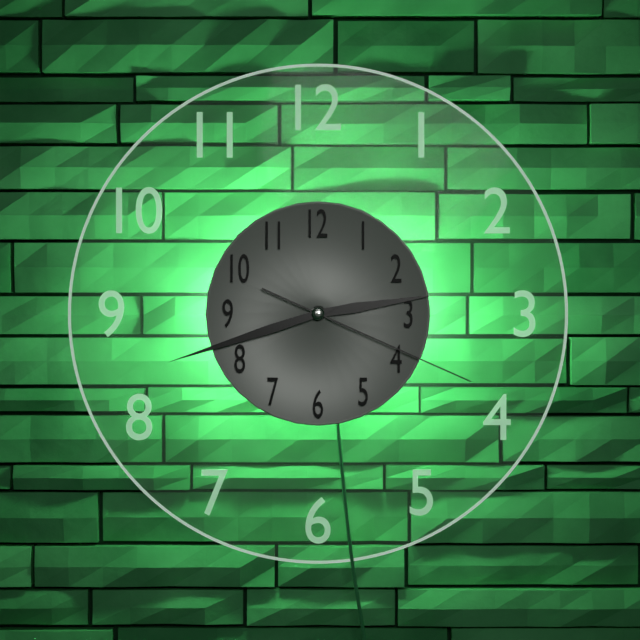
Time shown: 2:42:19
